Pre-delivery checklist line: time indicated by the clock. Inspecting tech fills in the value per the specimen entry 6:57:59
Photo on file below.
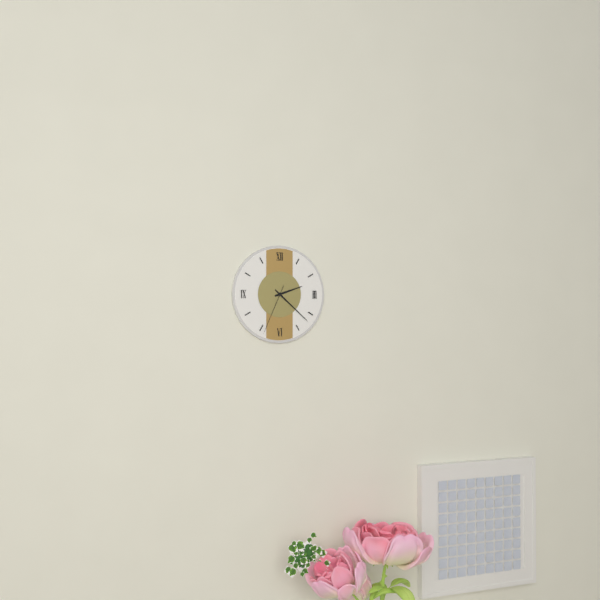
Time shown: 2:22:34
